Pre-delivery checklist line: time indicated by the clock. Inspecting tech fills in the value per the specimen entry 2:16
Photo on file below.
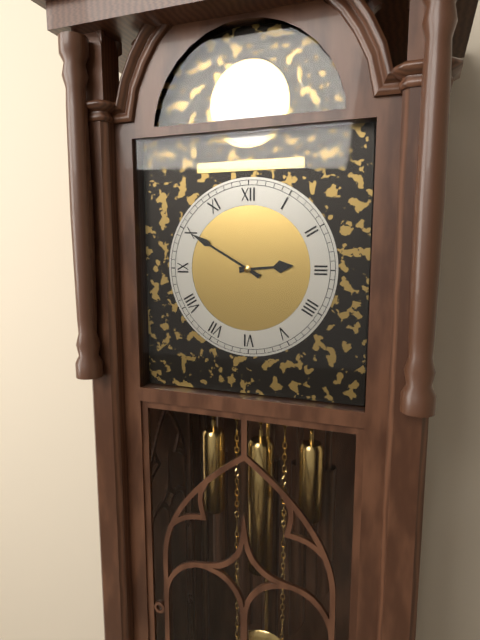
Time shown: 2:50
